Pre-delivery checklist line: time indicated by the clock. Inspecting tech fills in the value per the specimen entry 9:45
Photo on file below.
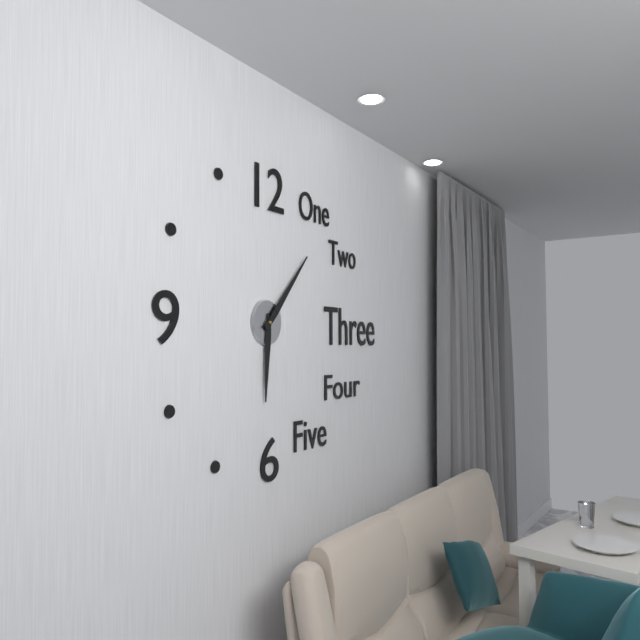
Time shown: 6:07
